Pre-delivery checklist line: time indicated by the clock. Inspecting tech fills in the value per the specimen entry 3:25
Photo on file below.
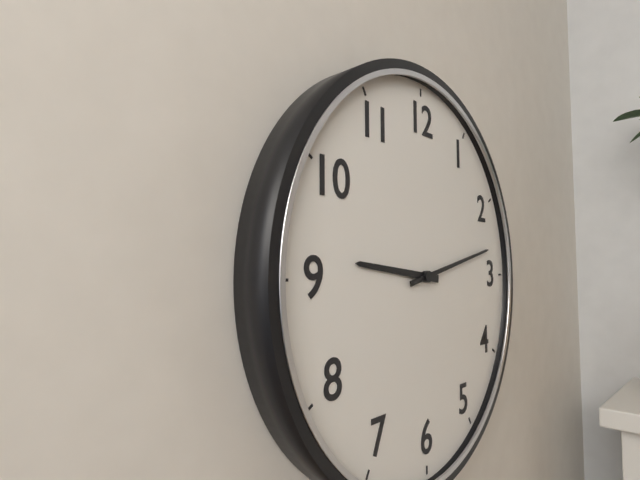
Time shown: 9:13
